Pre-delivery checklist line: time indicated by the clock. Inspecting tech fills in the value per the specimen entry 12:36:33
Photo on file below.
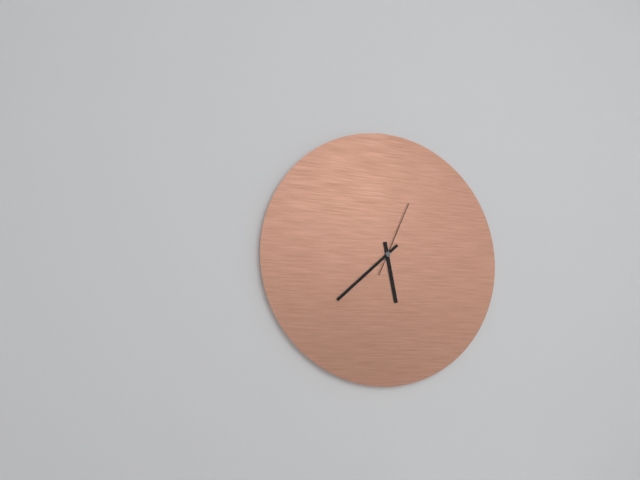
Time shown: 5:38:04
